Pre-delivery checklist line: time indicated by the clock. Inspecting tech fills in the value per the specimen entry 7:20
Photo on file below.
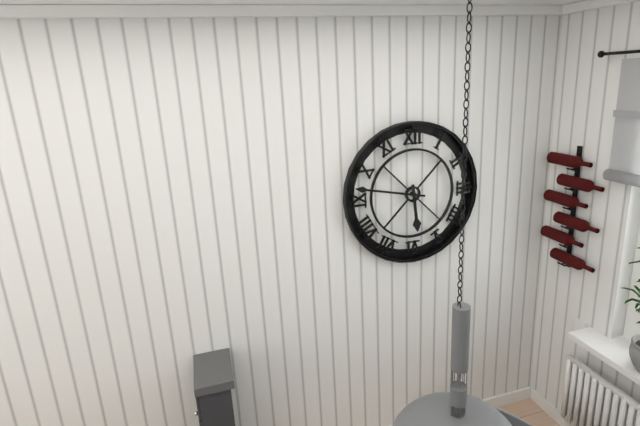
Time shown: 5:47
